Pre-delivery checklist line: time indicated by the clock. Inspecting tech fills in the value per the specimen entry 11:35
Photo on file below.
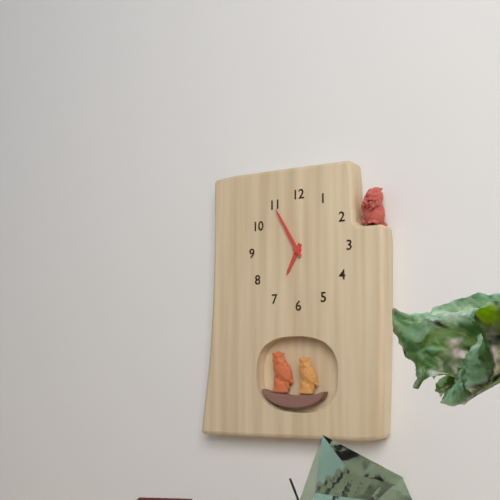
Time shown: 6:55
